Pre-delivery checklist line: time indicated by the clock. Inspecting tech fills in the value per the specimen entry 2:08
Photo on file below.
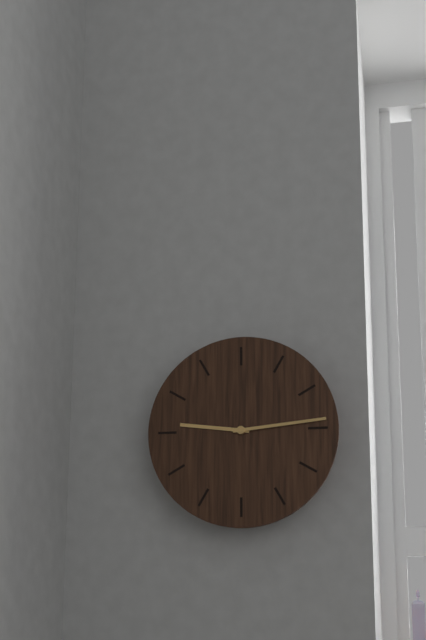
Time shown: 9:14
